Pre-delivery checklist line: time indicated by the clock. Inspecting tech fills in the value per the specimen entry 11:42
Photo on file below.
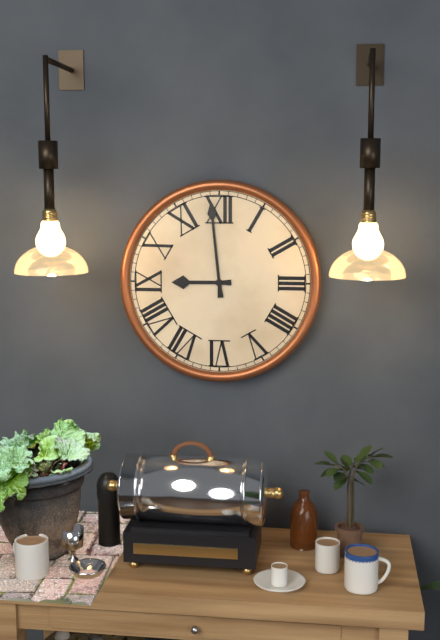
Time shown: 8:59
